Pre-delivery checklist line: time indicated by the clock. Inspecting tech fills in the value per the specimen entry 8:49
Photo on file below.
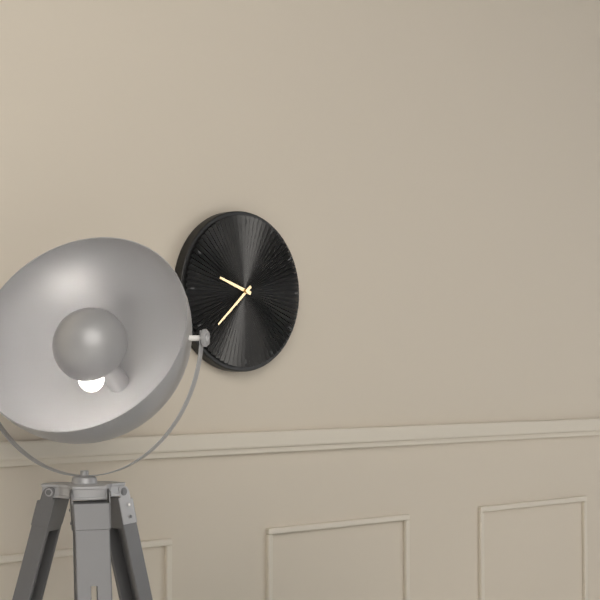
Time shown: 9:38
